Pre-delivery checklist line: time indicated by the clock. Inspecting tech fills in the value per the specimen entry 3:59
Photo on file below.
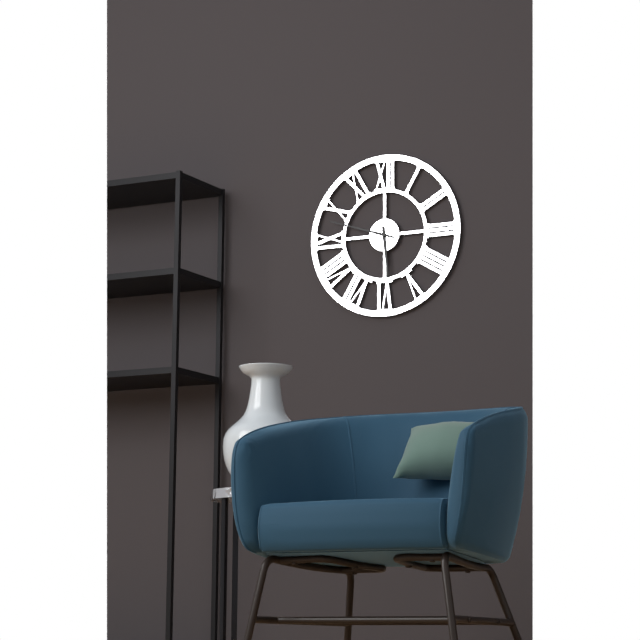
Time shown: 5:48
